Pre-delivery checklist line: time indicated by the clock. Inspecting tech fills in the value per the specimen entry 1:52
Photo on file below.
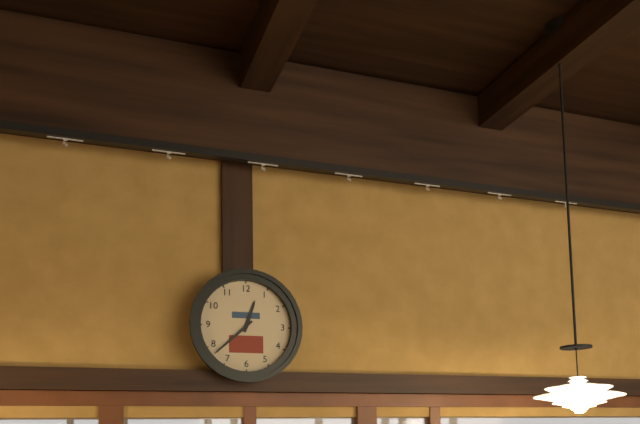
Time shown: 12:38
